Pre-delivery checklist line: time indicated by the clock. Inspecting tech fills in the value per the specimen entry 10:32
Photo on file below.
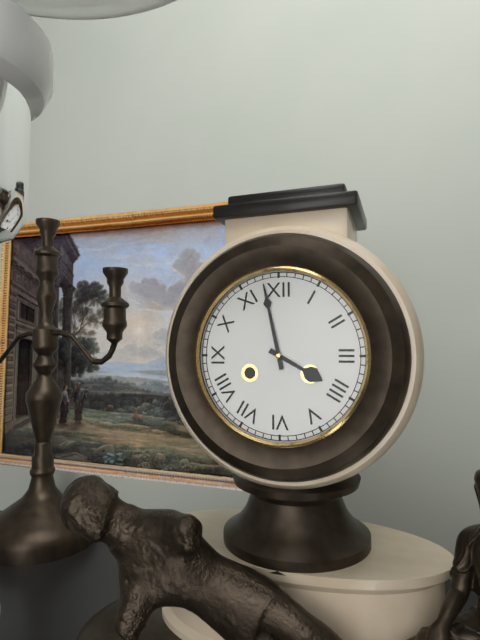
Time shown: 3:58
